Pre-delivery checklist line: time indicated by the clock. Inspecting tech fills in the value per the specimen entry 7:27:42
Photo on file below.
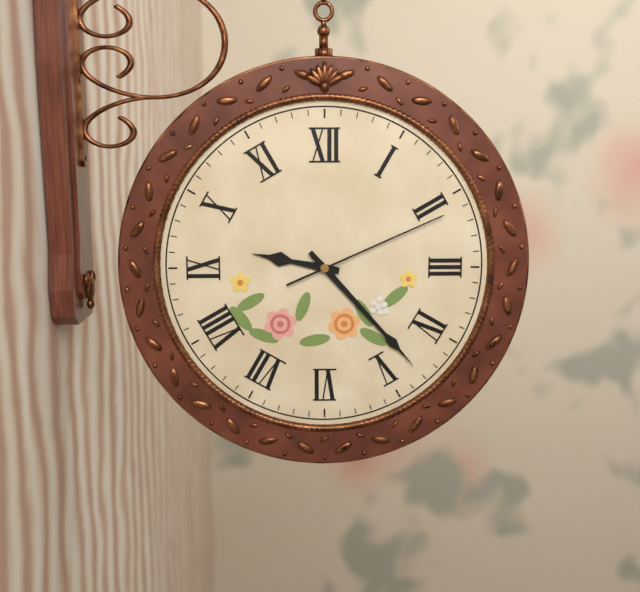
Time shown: 9:23:11
